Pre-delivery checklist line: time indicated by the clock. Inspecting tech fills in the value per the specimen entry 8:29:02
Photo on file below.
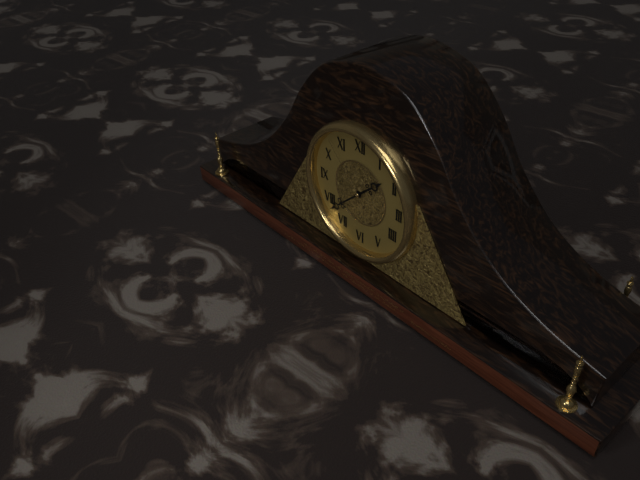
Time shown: 1:38:53
